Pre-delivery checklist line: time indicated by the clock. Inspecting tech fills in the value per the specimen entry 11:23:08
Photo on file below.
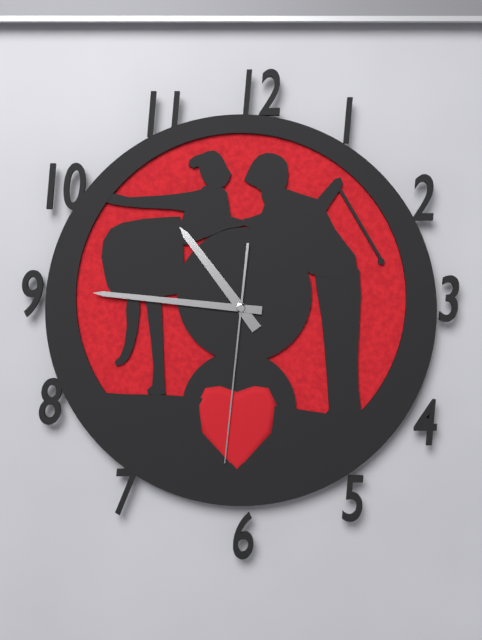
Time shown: 10:46:31
